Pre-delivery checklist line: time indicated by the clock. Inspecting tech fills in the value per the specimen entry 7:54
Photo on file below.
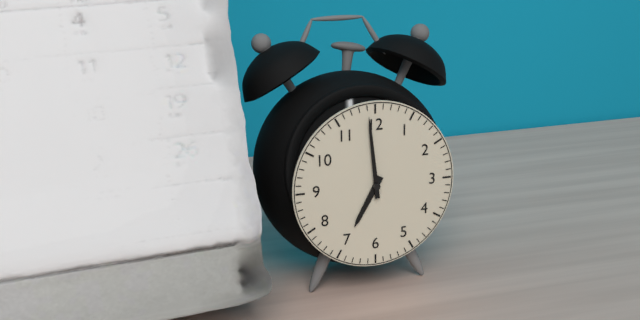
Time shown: 6:59
